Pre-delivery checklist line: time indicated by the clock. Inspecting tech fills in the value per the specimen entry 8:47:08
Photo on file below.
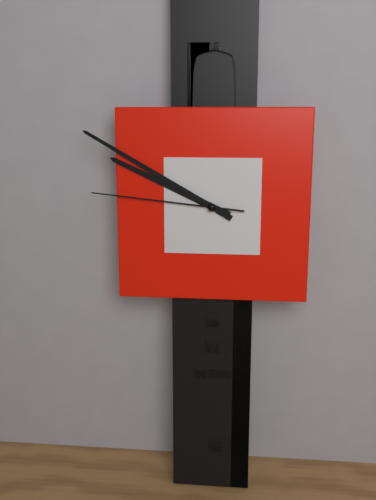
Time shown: 9:50:46
